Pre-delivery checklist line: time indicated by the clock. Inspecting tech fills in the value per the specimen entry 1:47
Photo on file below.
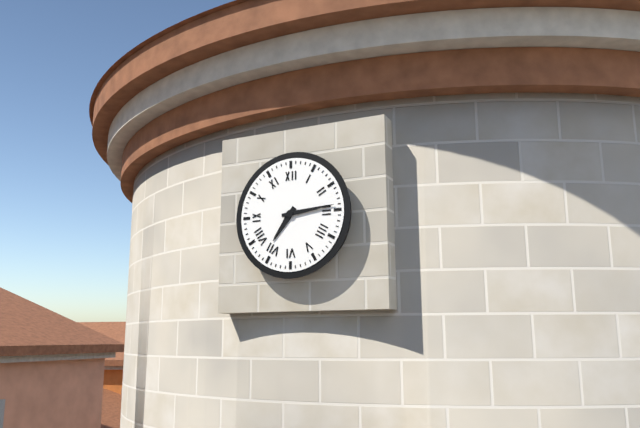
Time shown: 7:14
